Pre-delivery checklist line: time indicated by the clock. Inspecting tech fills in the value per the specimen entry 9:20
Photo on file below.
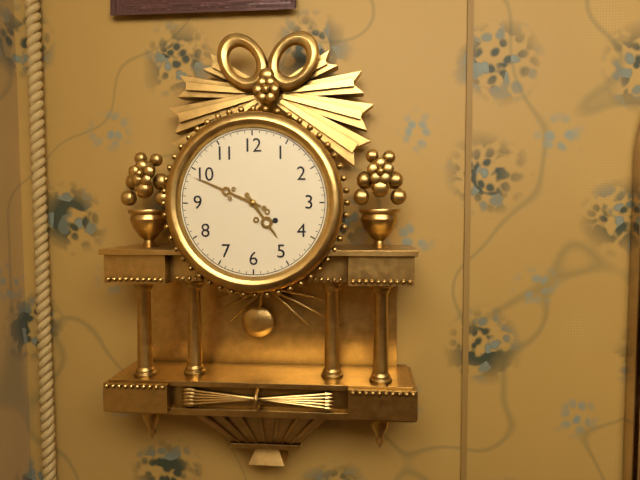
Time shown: 4:49
